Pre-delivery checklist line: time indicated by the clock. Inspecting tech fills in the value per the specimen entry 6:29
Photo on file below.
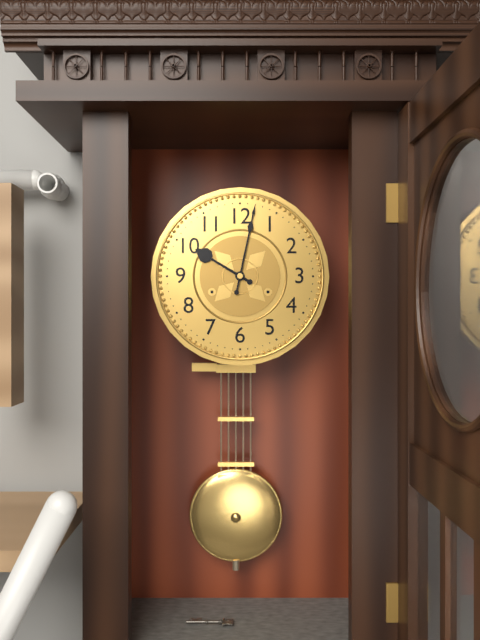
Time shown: 10:02
